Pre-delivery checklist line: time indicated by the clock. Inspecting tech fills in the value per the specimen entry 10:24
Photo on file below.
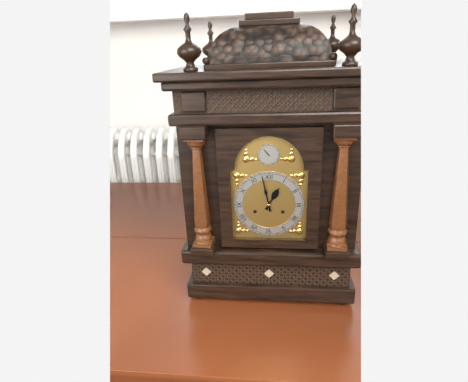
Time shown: 12:58
